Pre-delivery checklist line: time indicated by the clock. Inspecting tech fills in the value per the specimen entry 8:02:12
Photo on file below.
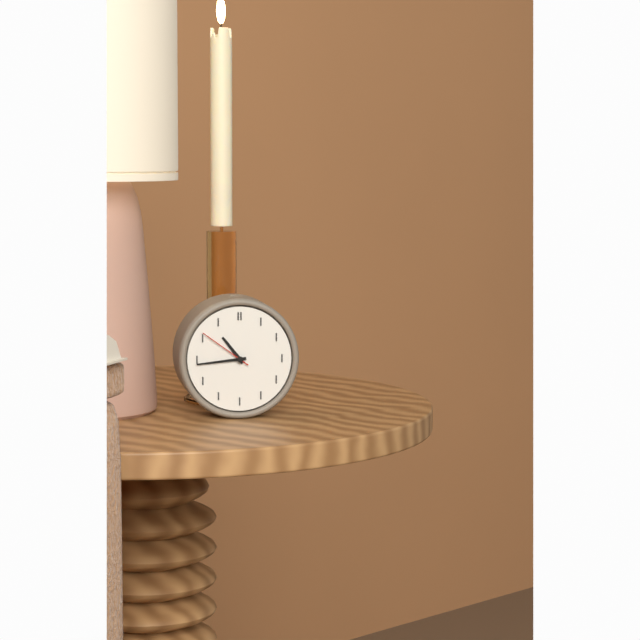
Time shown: 10:44:51
